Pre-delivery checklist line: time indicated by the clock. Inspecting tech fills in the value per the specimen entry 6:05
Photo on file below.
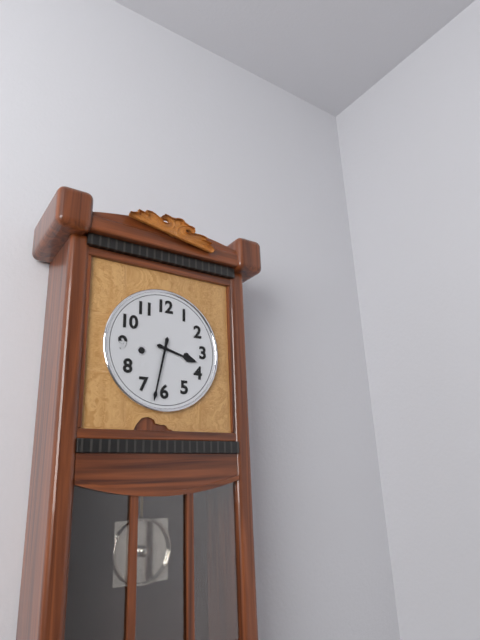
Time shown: 3:32
